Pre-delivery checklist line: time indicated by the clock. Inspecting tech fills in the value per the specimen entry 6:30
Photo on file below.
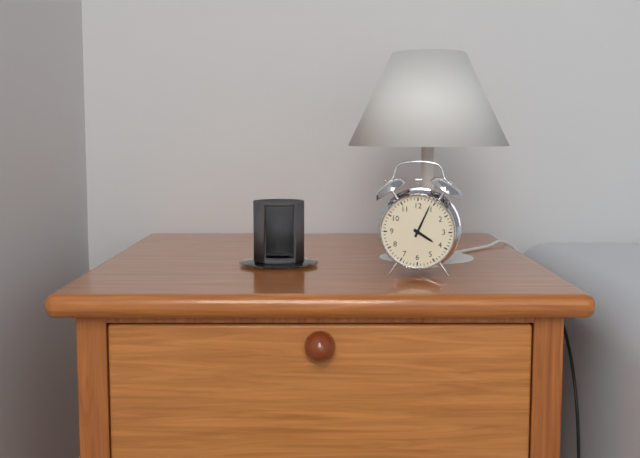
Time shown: 4:04
